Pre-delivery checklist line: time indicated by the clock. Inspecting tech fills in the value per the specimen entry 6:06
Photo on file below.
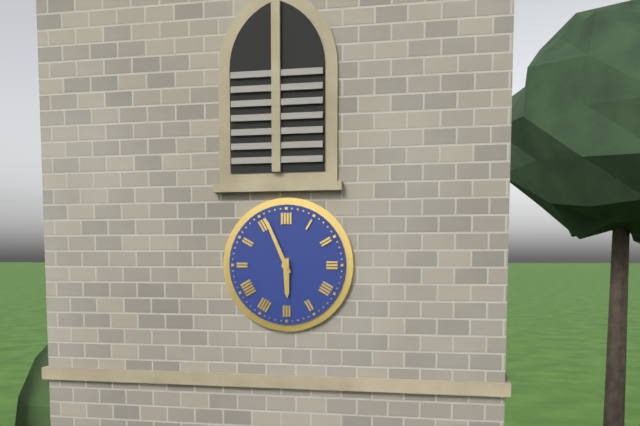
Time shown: 5:56
